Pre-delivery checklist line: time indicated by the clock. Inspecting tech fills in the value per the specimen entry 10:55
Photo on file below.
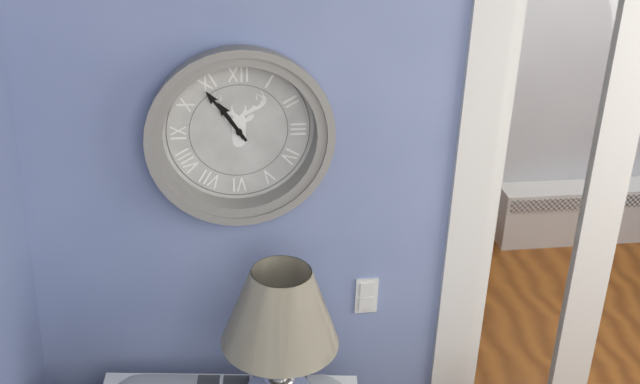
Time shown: 10:54
